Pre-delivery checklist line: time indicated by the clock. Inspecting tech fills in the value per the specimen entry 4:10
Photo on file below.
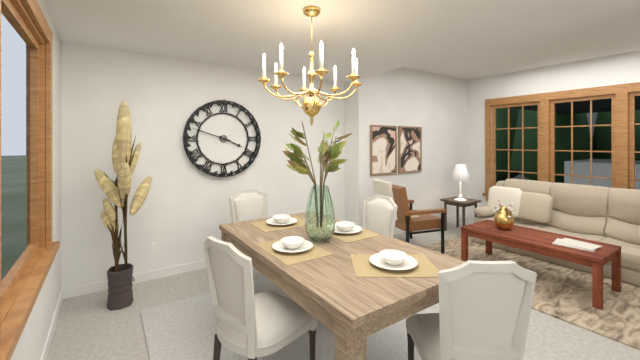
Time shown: 3:48
